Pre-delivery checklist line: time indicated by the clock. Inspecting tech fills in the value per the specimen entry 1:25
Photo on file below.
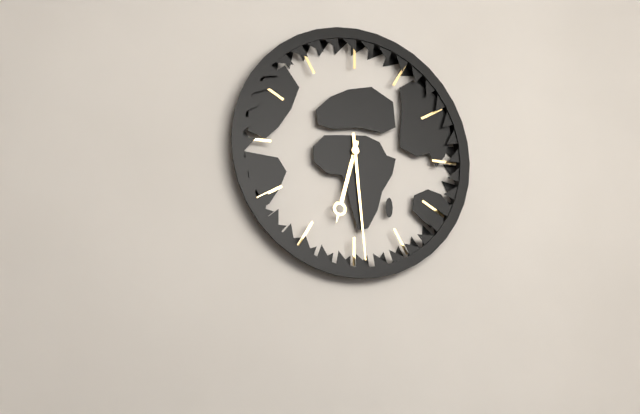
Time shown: 6:29
